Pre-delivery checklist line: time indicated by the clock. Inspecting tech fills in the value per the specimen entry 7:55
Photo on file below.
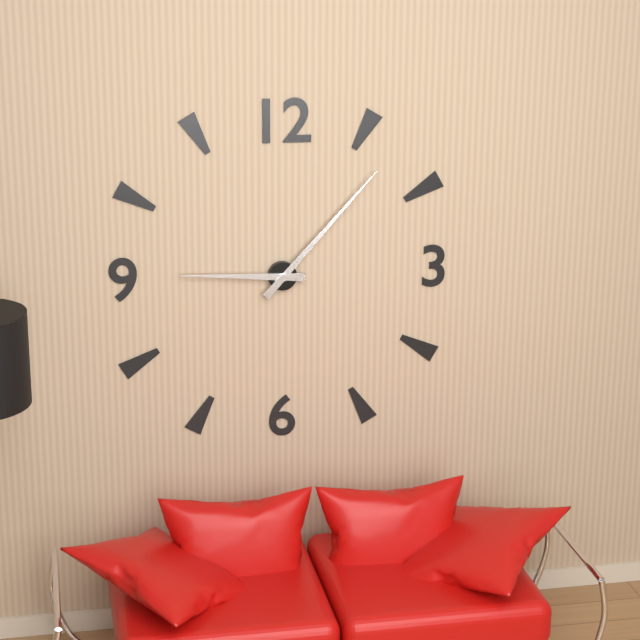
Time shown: 9:07
